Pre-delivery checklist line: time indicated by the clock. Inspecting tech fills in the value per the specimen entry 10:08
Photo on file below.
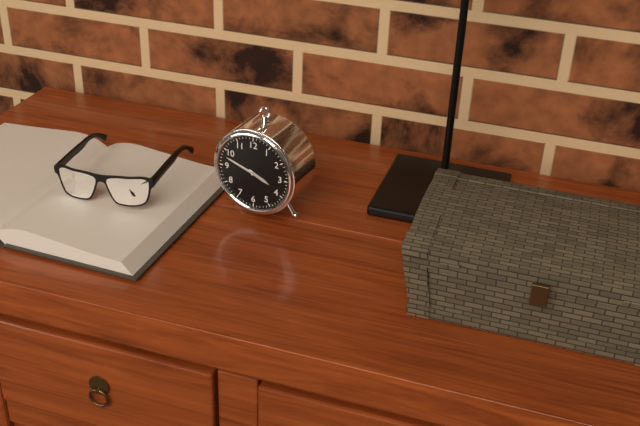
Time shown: 3:48
